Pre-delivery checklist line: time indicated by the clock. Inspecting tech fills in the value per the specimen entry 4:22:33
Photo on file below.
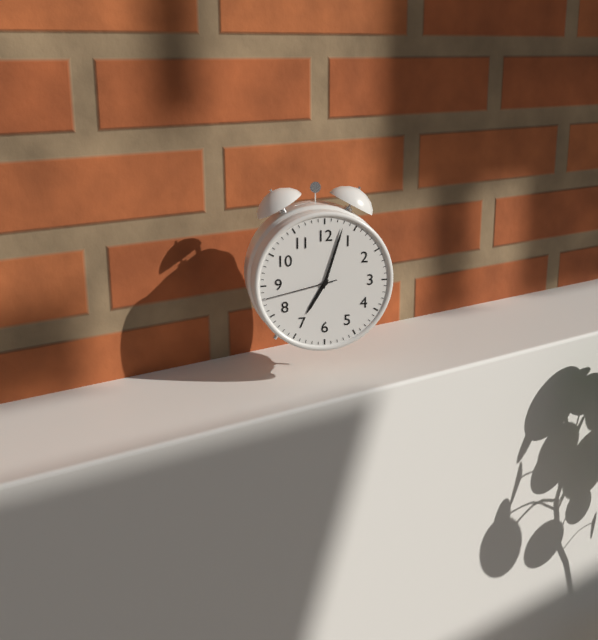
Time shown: 7:03:43
